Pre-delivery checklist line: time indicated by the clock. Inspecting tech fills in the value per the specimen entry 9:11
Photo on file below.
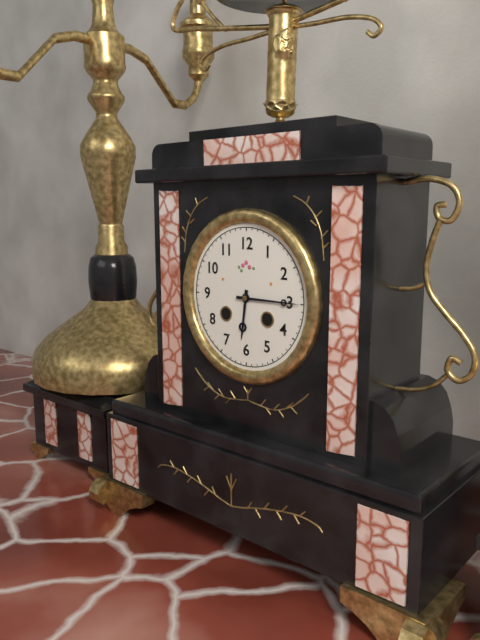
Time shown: 6:15
